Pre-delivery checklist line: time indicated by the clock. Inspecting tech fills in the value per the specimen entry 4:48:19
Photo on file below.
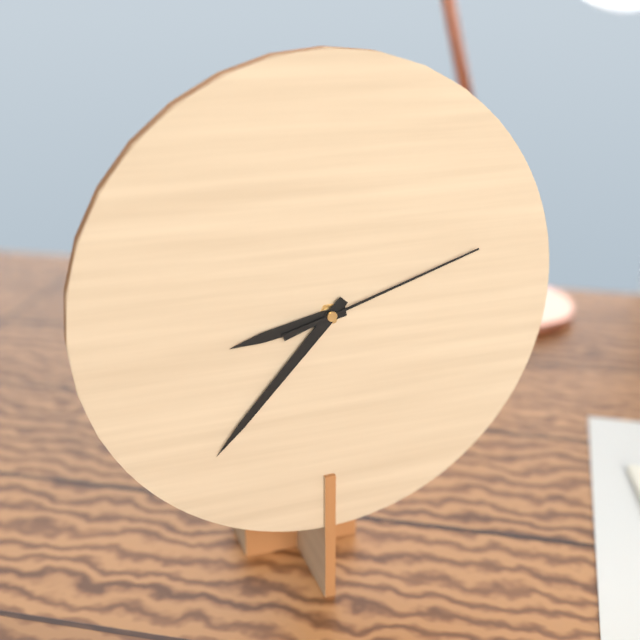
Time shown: 8:37:12
